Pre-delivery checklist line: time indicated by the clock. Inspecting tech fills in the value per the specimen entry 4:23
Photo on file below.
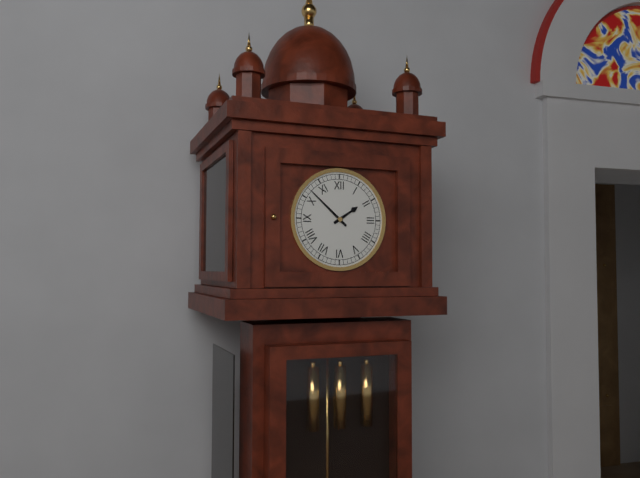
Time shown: 1:52
